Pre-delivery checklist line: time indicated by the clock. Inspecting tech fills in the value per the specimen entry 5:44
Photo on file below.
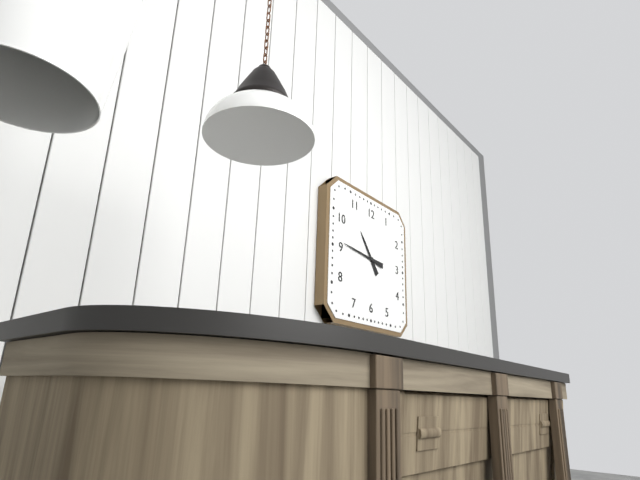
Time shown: 10:46
